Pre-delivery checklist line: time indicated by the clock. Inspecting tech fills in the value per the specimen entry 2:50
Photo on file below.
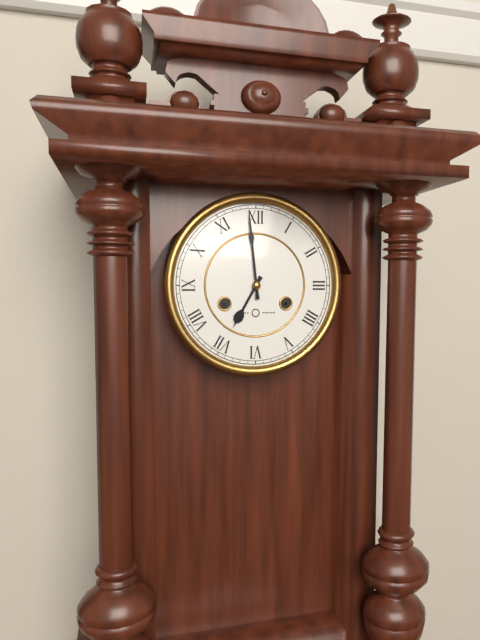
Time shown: 6:59
